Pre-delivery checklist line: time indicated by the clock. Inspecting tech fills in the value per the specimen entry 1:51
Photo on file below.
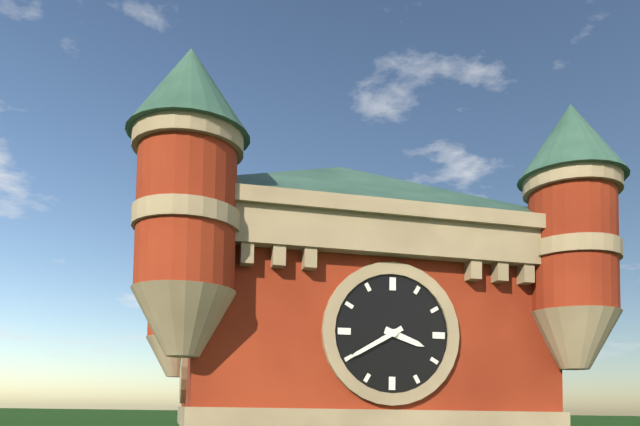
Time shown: 3:40
